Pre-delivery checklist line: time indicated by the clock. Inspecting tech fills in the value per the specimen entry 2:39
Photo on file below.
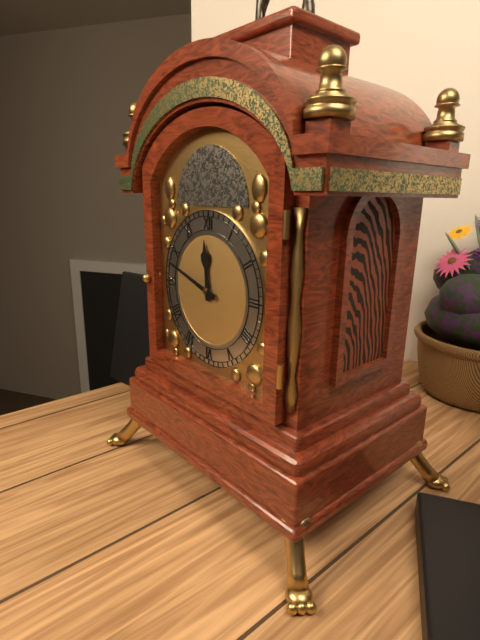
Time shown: 11:48
